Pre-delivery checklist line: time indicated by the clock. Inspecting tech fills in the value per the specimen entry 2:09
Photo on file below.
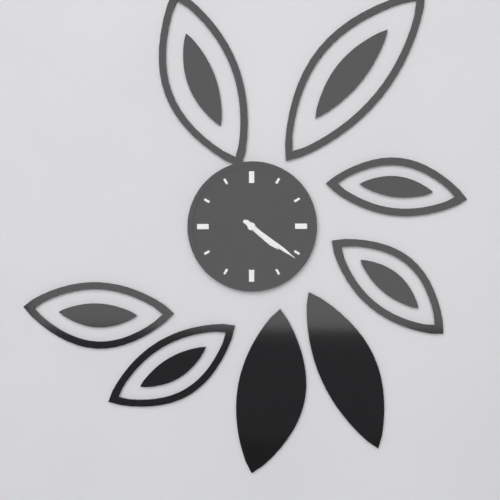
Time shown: 4:21
